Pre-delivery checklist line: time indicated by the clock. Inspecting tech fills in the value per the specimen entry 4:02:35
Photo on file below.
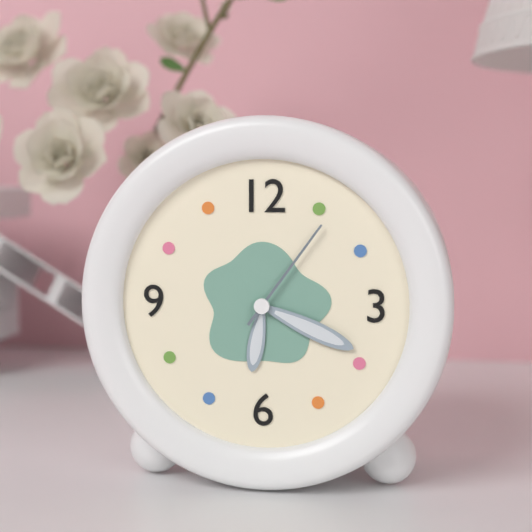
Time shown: 6:19:06
